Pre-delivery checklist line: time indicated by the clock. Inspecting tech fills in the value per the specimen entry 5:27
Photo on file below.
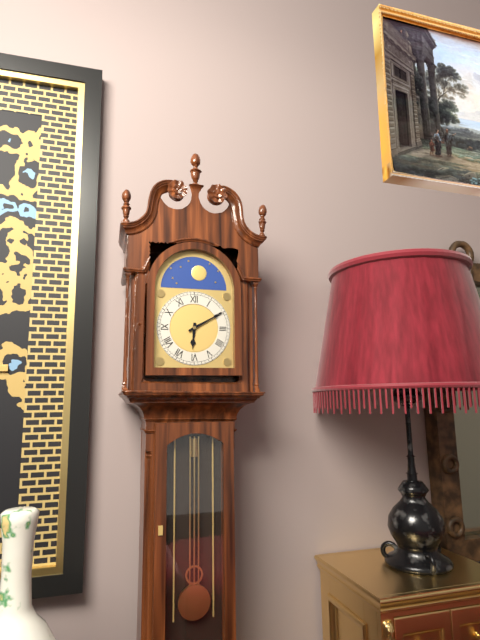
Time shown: 6:10
